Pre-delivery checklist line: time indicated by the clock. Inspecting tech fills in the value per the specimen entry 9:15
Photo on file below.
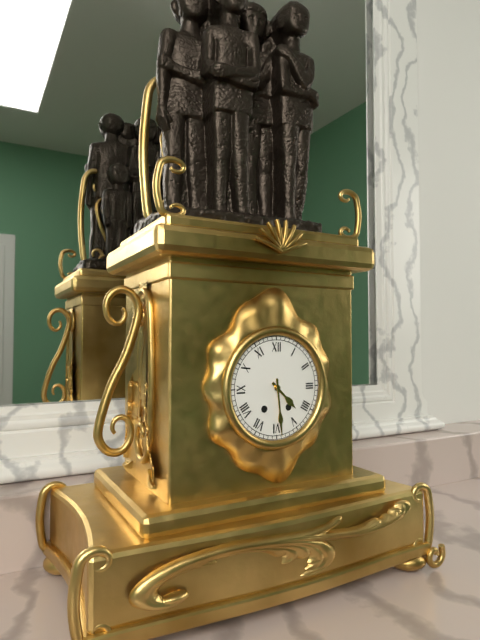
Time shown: 4:29
